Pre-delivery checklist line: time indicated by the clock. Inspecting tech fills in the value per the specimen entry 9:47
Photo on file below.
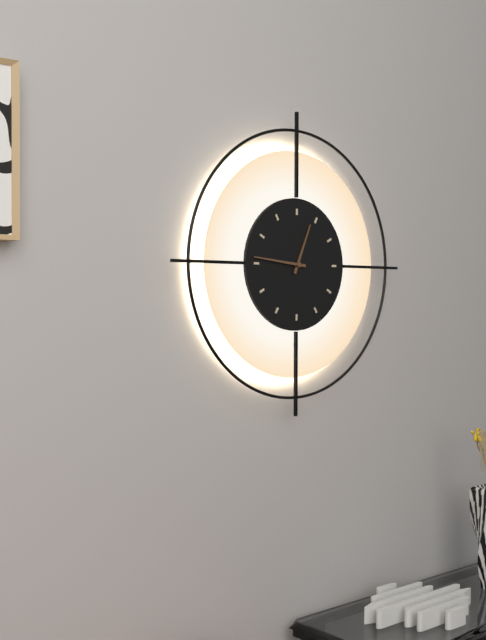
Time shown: 12:46
